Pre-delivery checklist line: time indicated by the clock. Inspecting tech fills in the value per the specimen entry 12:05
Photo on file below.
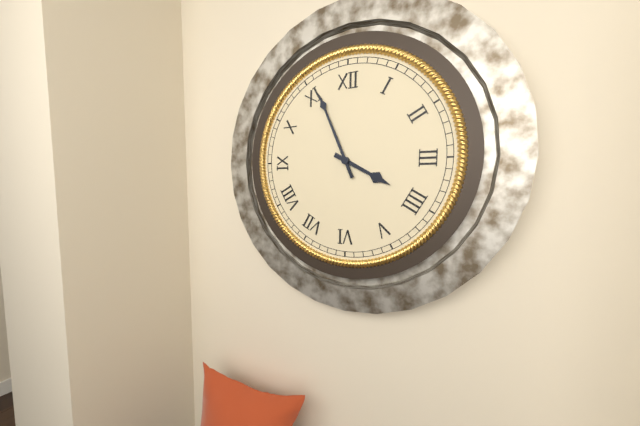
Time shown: 3:56
